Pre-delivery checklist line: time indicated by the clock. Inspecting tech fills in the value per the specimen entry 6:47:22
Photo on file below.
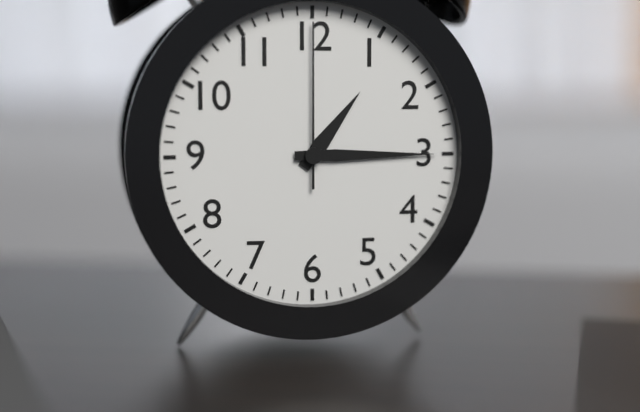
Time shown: 1:15:00
